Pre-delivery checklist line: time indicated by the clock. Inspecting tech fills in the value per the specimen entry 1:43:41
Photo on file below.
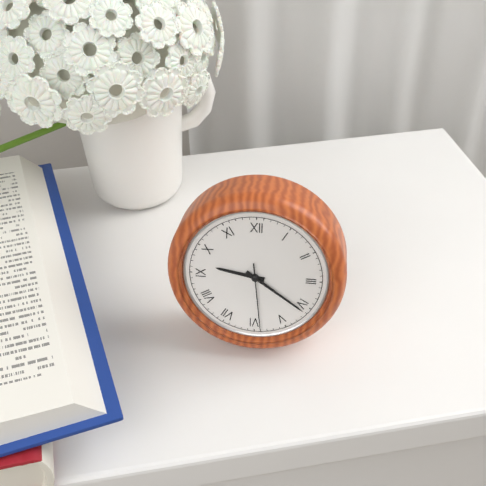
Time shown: 9:21:29
